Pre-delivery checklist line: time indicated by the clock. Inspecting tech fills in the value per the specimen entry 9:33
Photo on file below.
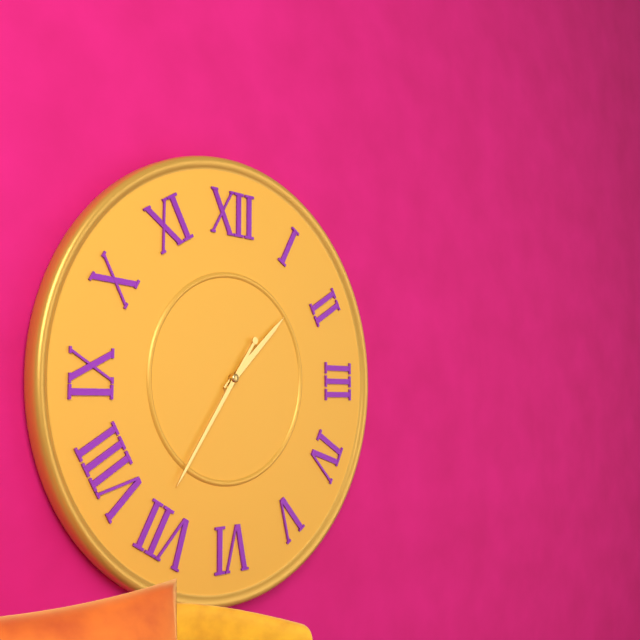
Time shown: 1:36
